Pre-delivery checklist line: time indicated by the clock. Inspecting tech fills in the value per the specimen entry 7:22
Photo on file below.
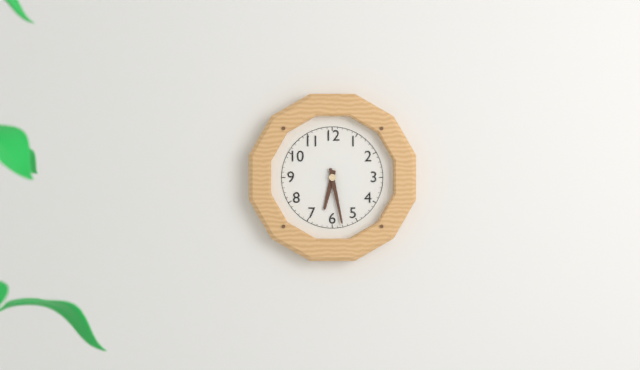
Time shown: 6:28
